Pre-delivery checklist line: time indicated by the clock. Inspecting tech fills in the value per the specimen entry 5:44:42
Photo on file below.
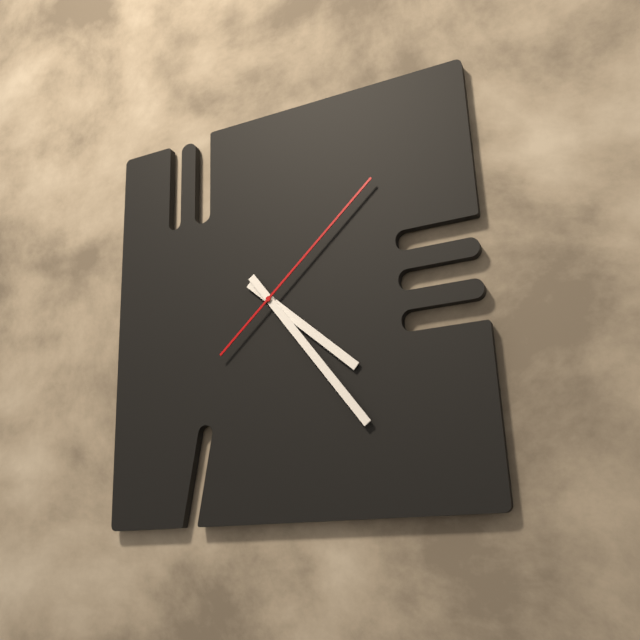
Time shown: 4:24:08
